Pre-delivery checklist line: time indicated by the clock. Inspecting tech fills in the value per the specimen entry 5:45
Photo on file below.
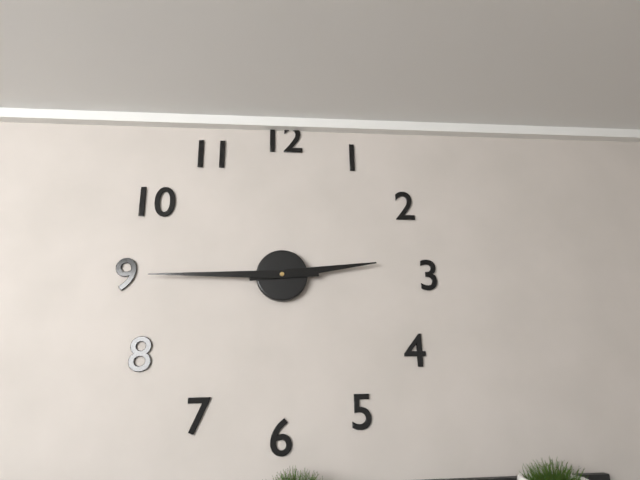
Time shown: 2:45
